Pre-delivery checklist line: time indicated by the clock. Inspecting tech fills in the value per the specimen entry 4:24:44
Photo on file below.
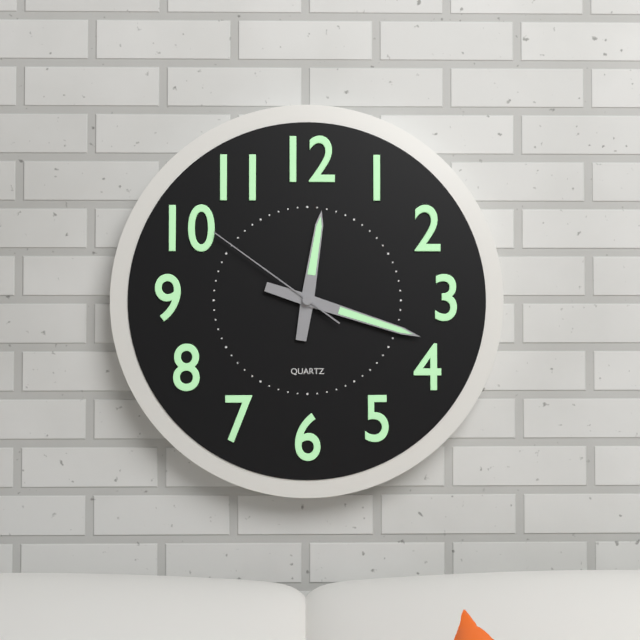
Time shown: 12:18:51
